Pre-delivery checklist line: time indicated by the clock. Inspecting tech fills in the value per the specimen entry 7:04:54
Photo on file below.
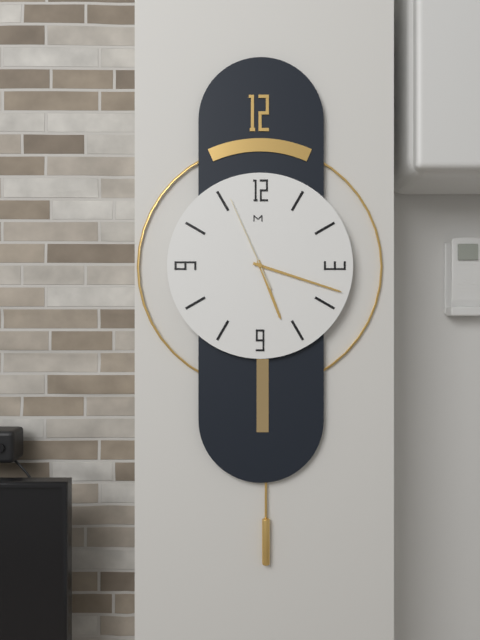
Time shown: 5:18:56
